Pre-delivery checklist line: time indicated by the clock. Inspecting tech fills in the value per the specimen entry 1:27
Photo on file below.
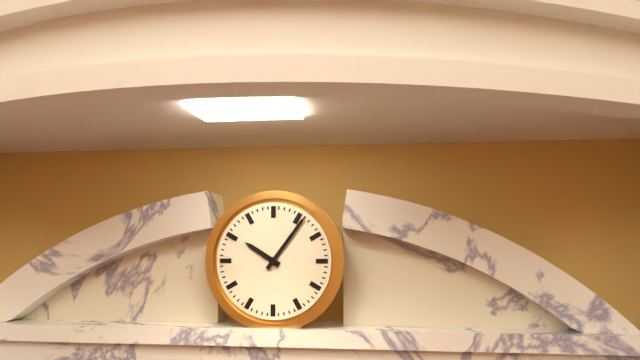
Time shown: 10:06
